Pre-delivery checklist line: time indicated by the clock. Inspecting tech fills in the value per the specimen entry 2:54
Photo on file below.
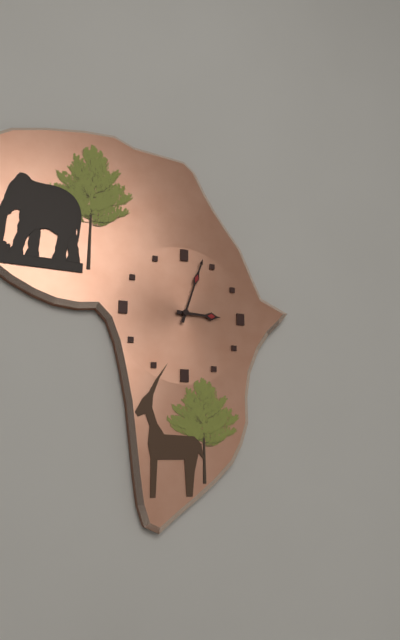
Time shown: 3:03
